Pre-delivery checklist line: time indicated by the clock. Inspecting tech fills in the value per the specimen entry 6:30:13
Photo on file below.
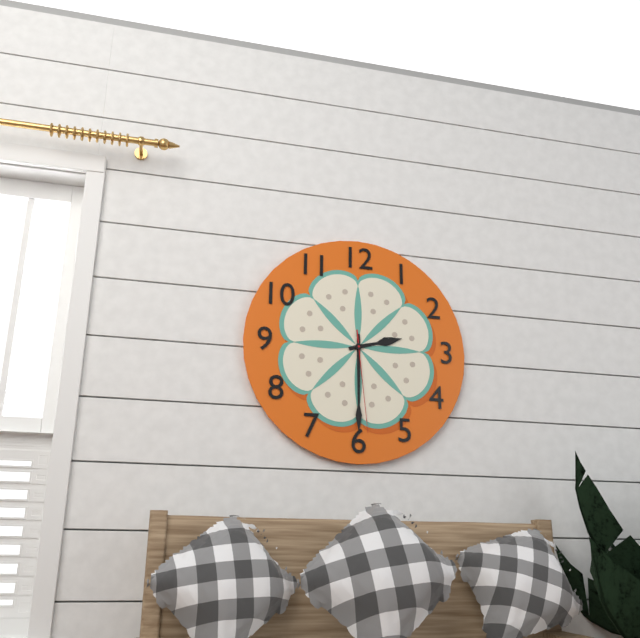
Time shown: 2:30:29
